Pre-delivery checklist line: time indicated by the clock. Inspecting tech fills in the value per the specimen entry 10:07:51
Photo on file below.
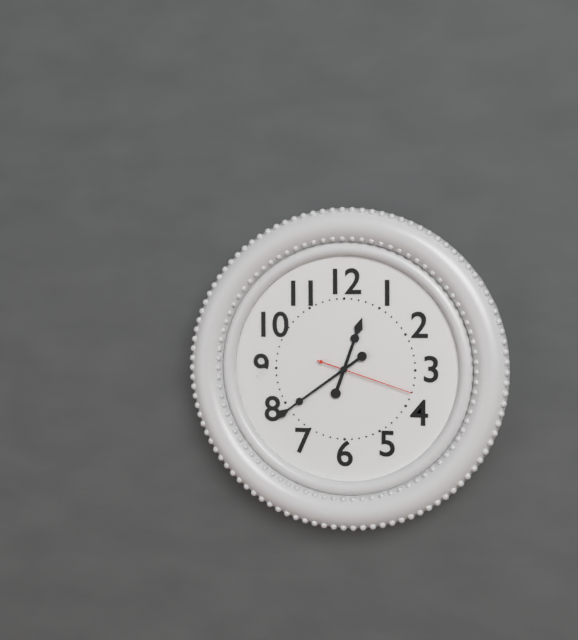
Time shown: 12:39:18
